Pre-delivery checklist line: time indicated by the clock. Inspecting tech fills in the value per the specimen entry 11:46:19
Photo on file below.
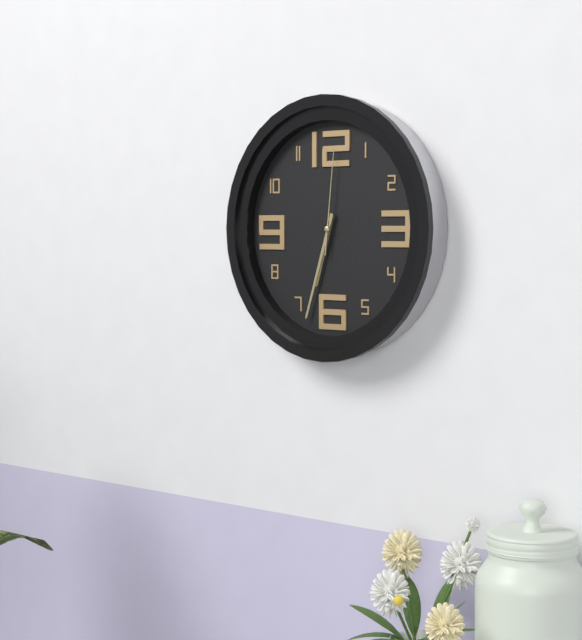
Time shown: 6:33:01
